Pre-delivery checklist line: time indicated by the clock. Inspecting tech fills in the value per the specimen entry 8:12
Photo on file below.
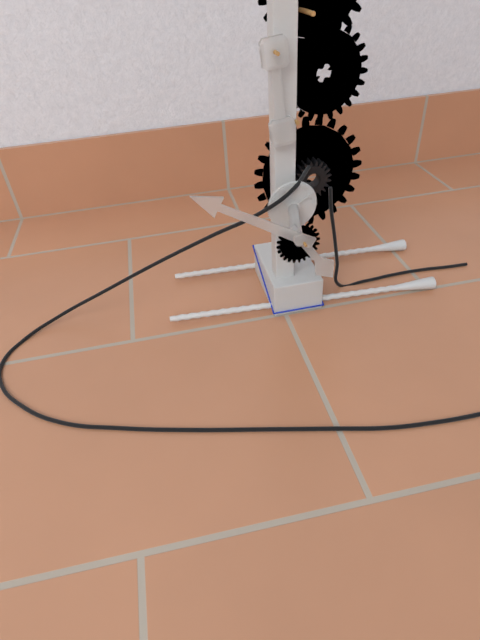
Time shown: 4:50
